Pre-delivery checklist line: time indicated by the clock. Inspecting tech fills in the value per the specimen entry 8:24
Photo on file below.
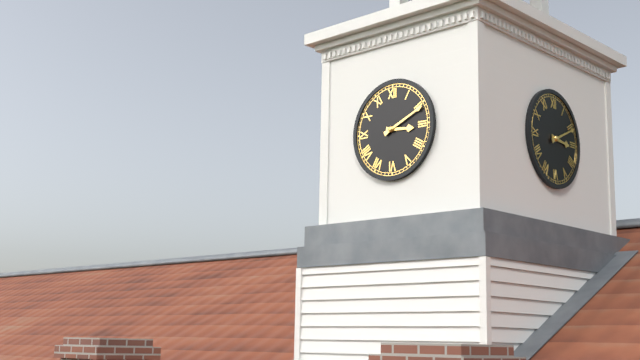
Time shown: 3:11
